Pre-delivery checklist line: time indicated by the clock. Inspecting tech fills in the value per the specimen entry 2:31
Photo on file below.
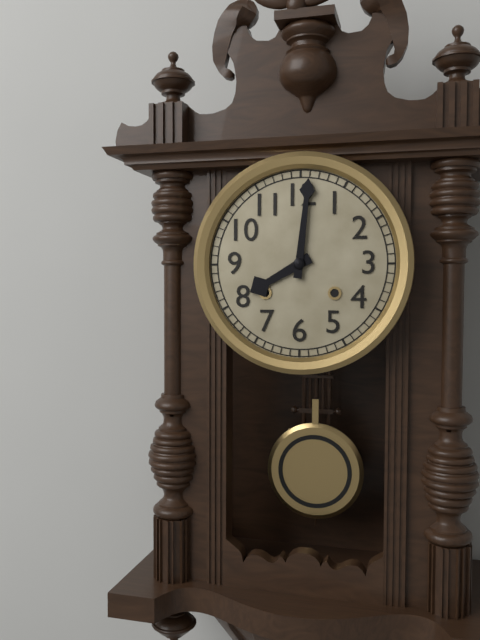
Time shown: 8:01
